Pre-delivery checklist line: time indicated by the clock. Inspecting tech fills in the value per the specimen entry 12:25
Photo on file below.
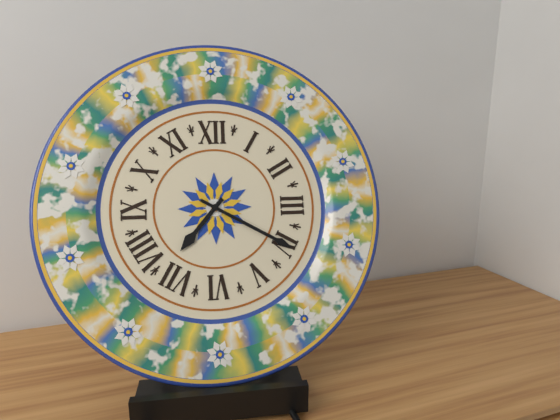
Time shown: 7:20
